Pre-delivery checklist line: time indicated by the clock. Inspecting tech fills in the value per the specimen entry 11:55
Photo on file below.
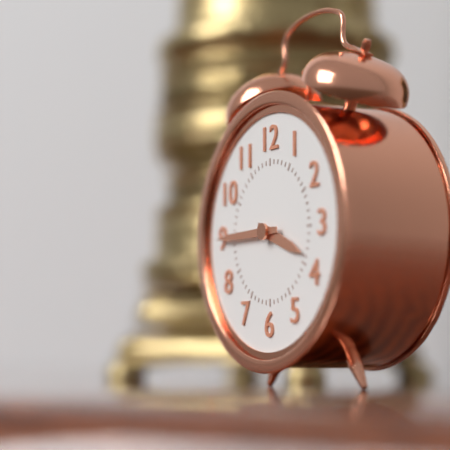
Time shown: 3:45
